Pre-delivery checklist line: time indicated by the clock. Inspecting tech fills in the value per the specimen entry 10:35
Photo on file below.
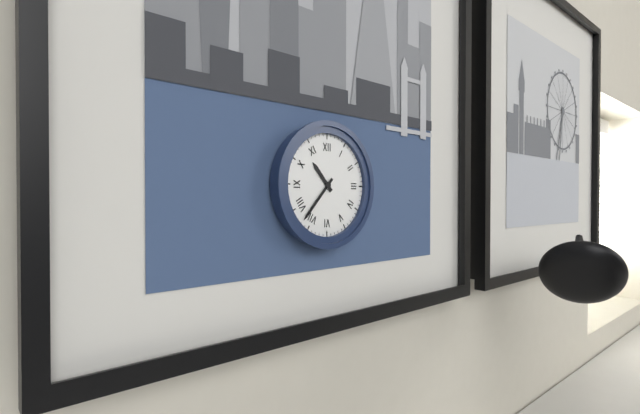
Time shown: 10:37
